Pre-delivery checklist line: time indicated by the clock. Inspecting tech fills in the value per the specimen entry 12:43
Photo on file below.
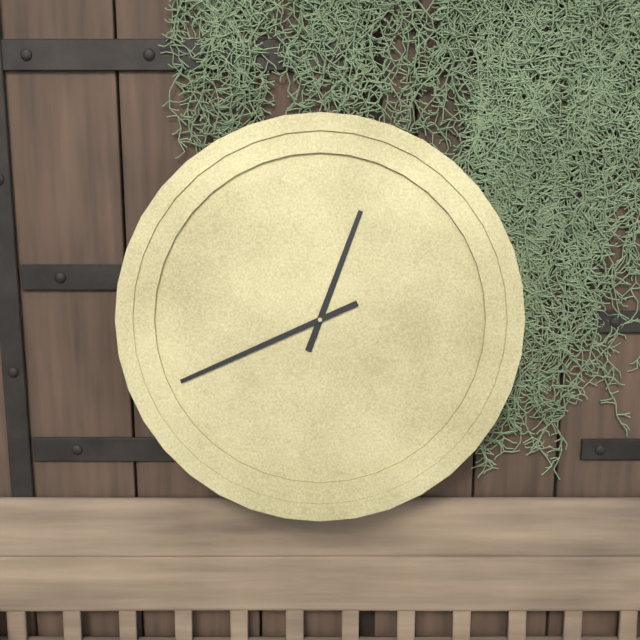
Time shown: 12:41
